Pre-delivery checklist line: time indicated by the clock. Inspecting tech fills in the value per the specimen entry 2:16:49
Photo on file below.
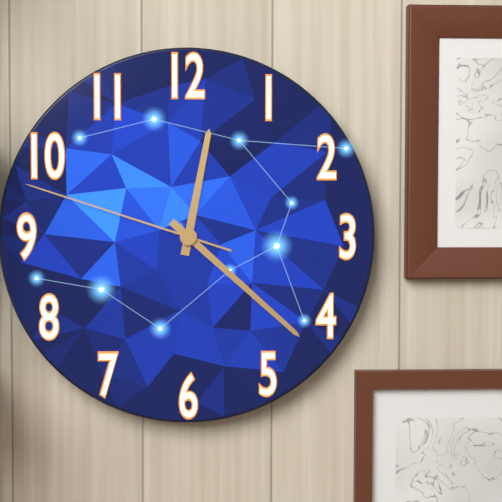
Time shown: 12:22:48
